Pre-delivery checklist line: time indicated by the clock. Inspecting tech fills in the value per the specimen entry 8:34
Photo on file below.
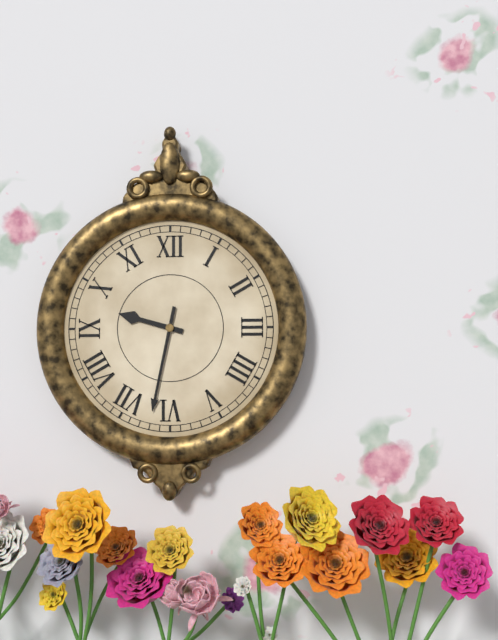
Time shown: 9:32
